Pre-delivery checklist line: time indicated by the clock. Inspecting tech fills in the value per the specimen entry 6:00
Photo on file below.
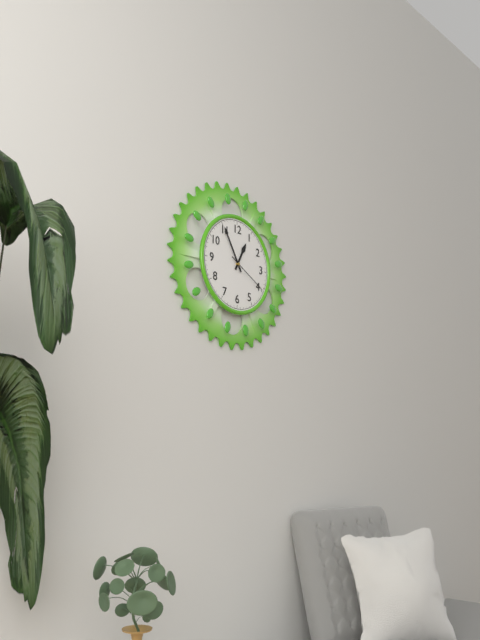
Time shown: 12:55
